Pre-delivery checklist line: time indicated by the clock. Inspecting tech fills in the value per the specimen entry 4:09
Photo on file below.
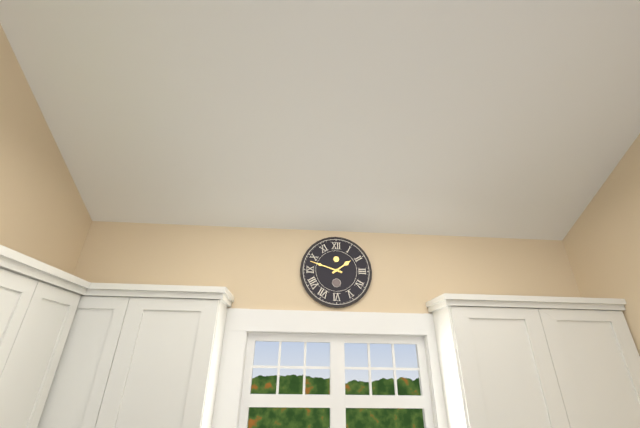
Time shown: 1:48
